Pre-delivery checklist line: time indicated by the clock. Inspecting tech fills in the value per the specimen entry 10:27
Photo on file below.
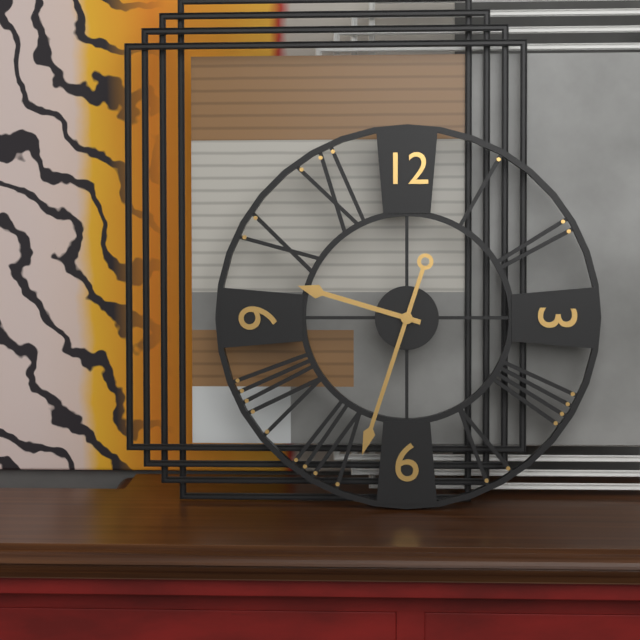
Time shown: 9:33
